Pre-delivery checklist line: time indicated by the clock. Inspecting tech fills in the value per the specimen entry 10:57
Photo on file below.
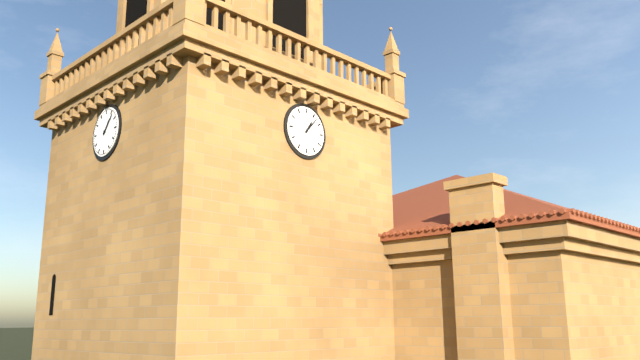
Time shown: 1:07
